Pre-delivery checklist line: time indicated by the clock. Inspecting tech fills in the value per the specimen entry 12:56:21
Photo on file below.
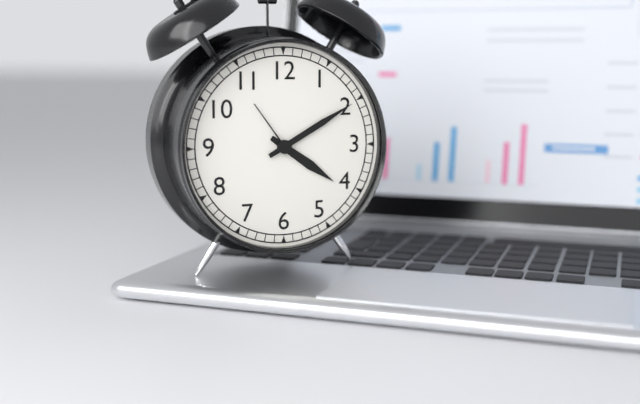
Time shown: 4:10:54
